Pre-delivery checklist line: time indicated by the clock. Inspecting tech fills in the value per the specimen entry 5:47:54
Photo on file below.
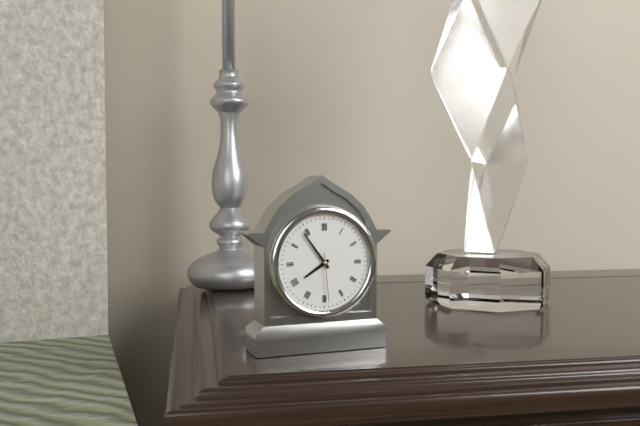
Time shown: 7:54:29
